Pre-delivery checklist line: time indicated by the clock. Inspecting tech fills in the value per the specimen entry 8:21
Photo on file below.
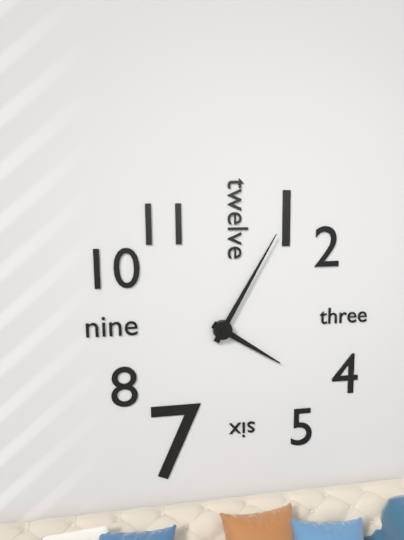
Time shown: 4:05
